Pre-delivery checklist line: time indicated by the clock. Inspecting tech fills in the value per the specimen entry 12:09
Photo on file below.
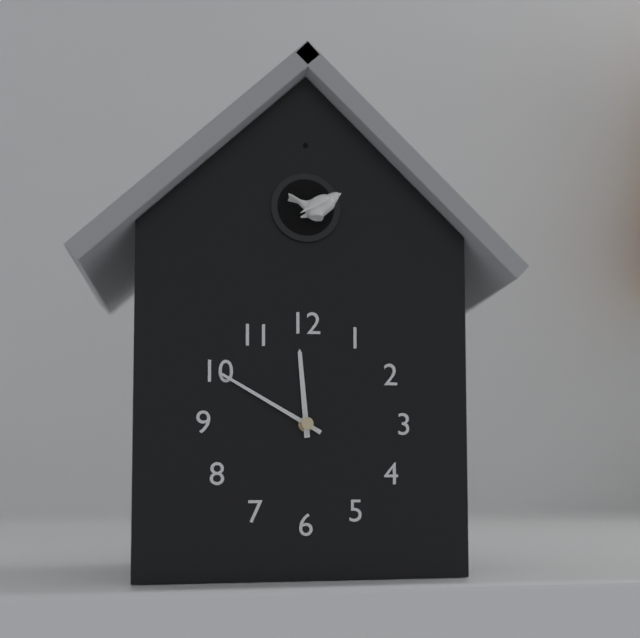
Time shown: 11:50
